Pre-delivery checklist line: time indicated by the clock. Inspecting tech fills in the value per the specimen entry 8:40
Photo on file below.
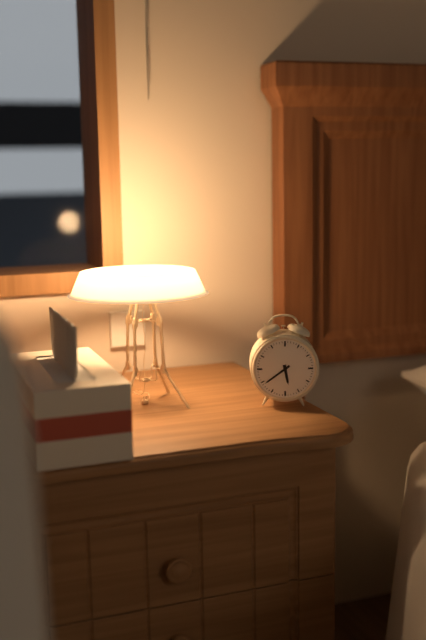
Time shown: 5:39
